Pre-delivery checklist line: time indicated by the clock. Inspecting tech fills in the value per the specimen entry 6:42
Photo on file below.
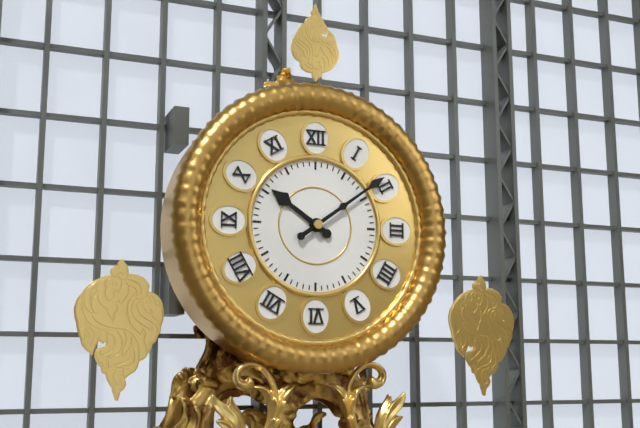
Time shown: 10:09
